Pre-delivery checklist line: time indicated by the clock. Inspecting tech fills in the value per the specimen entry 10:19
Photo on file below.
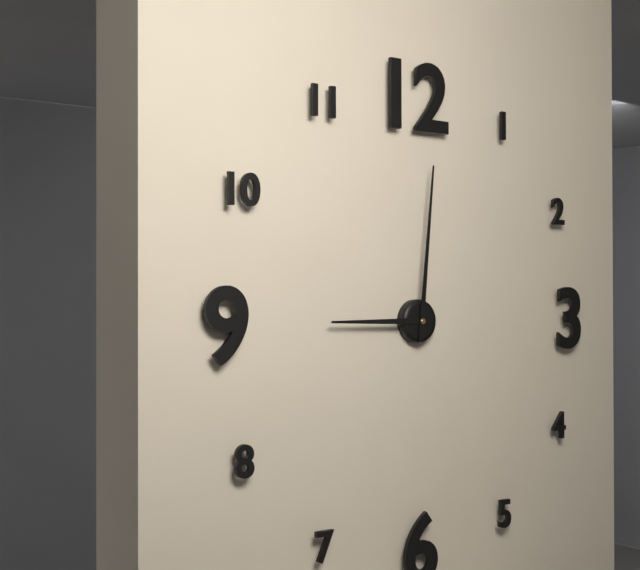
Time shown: 9:01
